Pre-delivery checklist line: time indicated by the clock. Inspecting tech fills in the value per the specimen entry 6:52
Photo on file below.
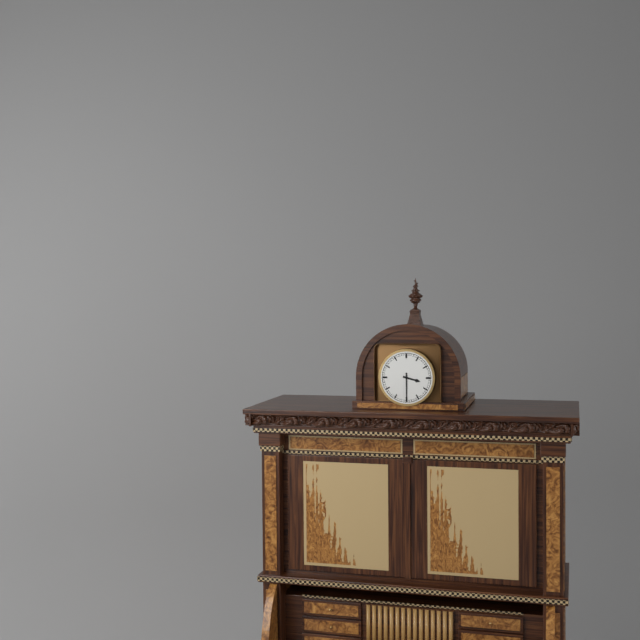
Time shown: 3:30
